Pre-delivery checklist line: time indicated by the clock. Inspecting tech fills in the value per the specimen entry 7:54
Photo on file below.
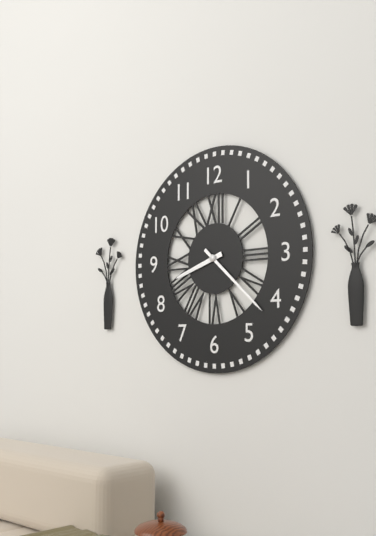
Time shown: 8:22
